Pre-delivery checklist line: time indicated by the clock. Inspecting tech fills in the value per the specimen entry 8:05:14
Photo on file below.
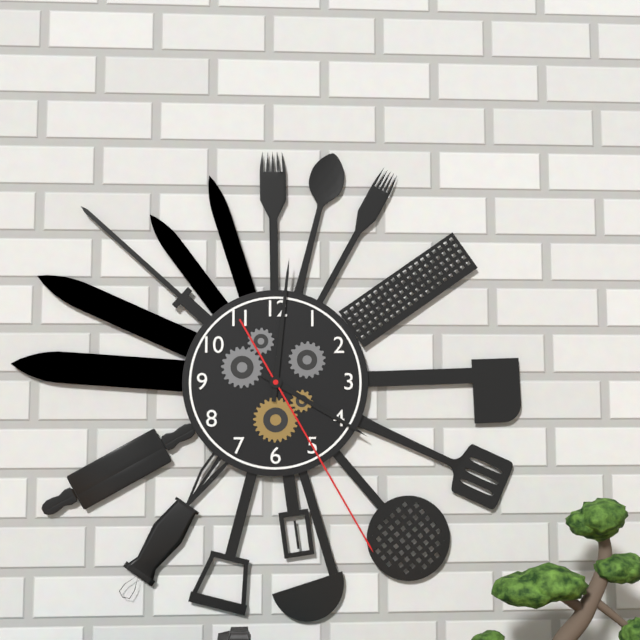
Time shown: 4:01:25
